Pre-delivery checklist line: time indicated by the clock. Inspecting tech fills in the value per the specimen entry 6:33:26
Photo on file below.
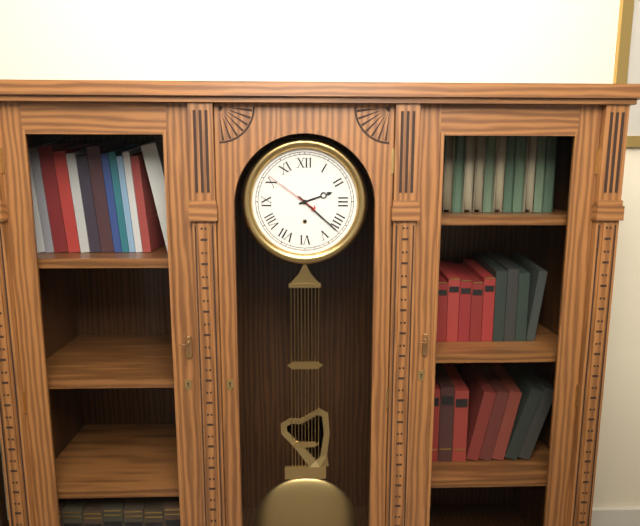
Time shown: 2:22:51
